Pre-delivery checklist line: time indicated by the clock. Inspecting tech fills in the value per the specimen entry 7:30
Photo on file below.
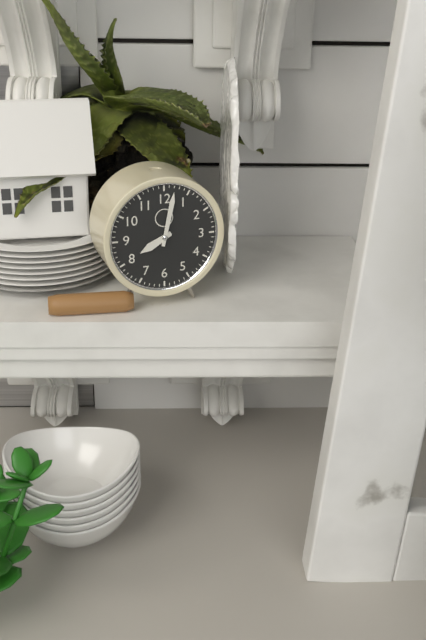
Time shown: 8:02
